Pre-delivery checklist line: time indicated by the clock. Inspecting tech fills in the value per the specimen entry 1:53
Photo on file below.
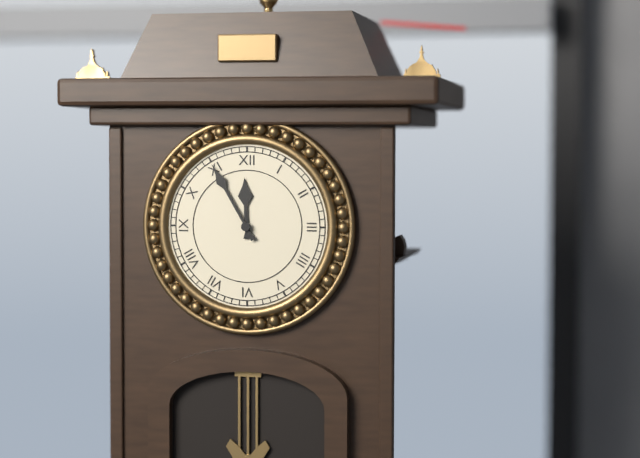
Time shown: 11:55
